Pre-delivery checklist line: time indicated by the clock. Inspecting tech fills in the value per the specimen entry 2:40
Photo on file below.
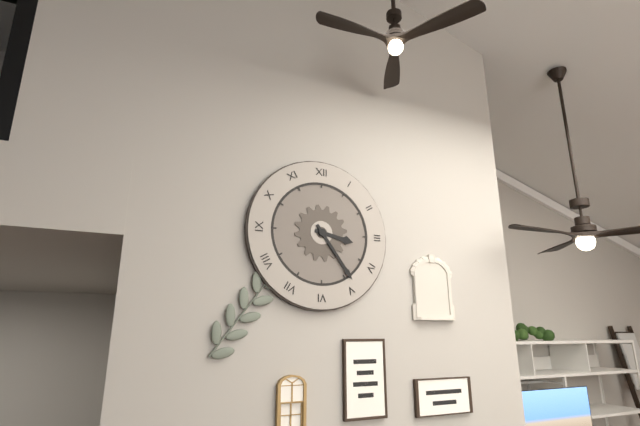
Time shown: 3:24
